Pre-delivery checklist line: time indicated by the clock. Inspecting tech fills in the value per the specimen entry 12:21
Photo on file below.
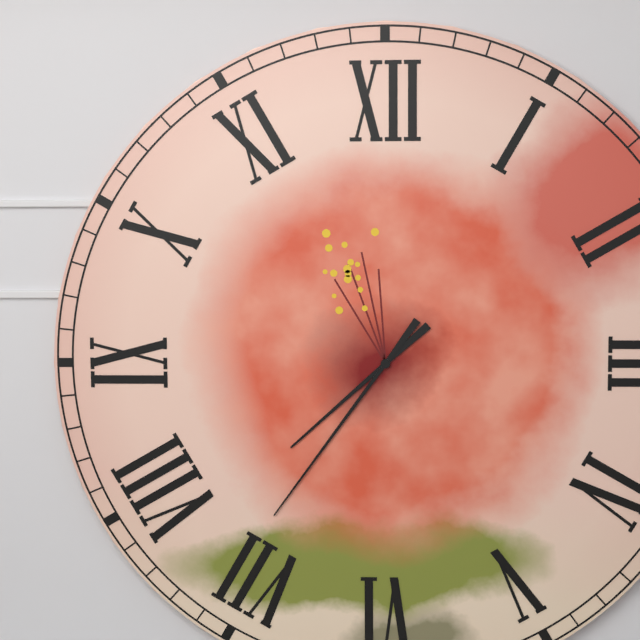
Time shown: 7:36
